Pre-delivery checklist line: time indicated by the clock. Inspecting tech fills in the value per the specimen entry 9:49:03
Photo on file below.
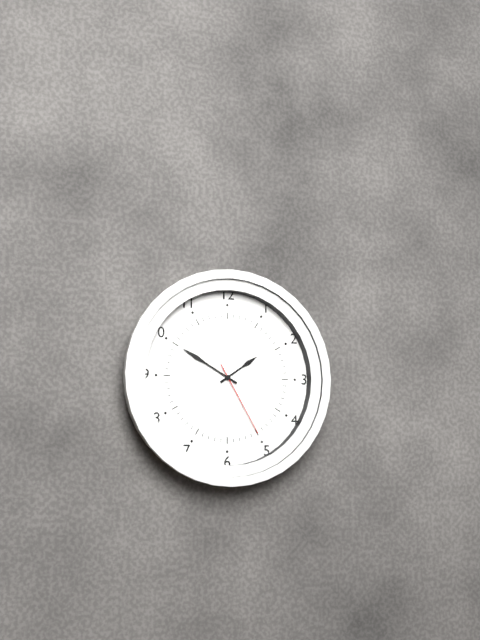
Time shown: 1:50:25
